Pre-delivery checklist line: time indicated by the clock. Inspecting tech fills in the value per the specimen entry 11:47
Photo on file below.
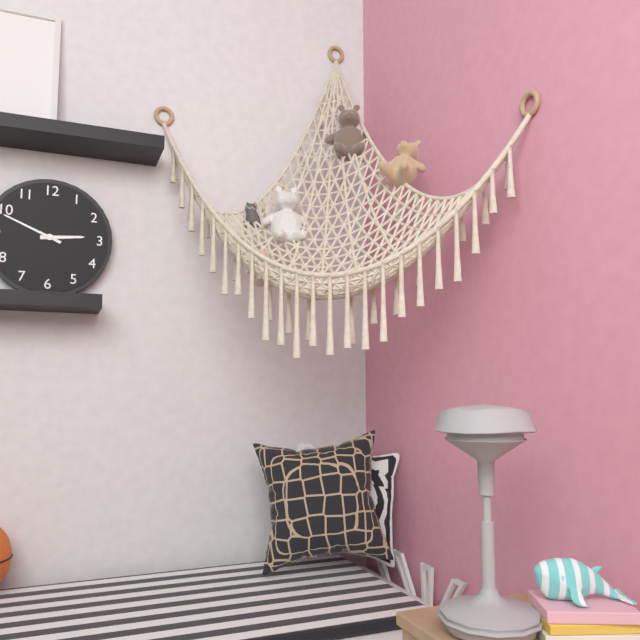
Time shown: 2:49
